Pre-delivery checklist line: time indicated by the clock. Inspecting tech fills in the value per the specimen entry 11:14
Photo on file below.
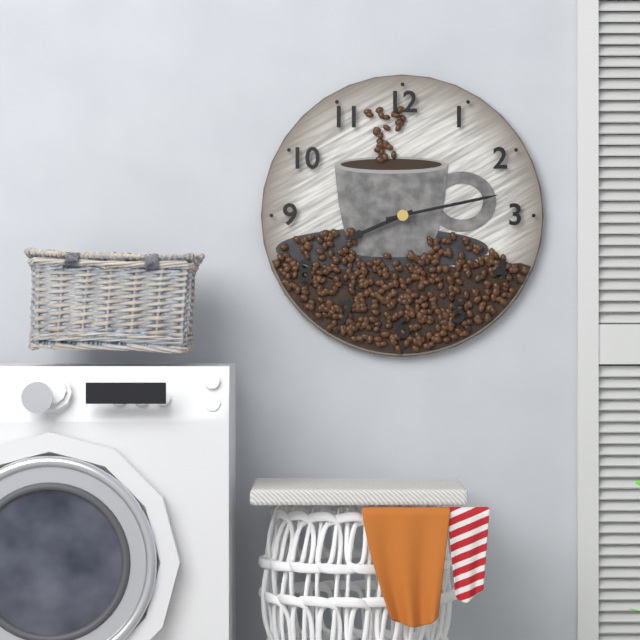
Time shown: 8:13
